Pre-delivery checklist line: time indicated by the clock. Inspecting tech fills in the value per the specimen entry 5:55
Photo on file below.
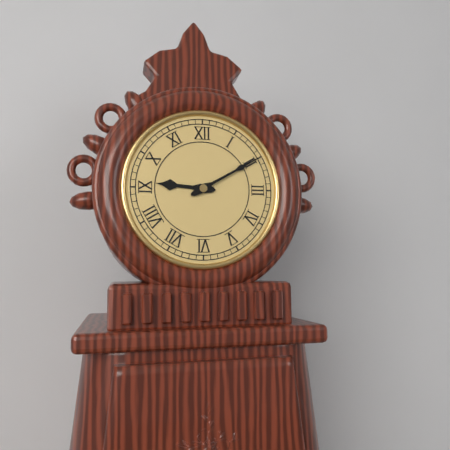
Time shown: 9:10
